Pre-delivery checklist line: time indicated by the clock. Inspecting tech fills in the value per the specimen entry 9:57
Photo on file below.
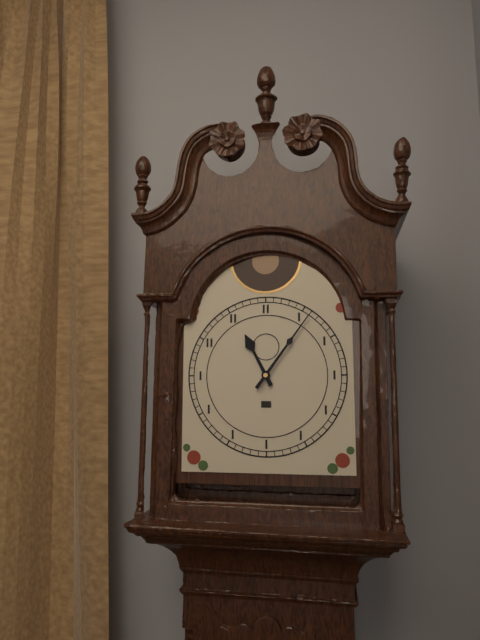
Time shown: 11:06
